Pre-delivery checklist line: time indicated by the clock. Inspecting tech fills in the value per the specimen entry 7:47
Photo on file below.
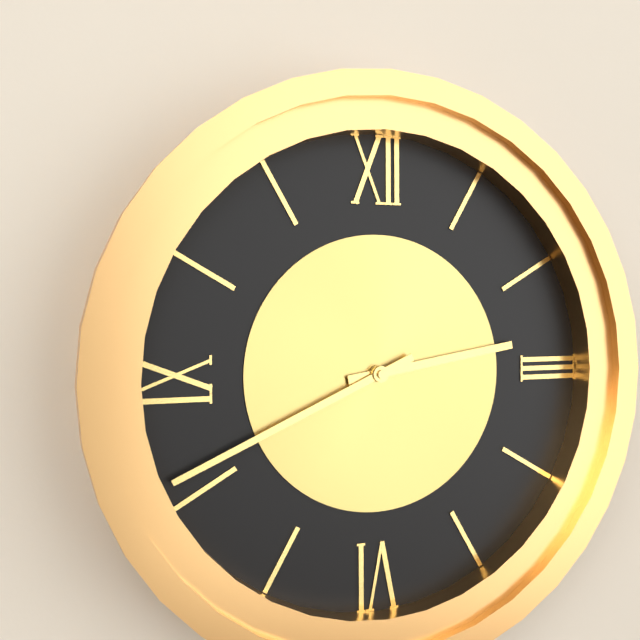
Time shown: 2:41
